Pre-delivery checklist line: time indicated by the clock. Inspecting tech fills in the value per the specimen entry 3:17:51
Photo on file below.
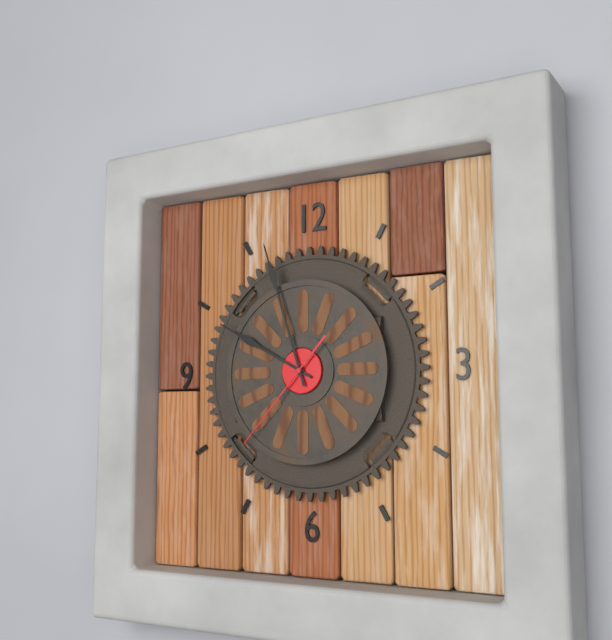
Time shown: 9:57:37
